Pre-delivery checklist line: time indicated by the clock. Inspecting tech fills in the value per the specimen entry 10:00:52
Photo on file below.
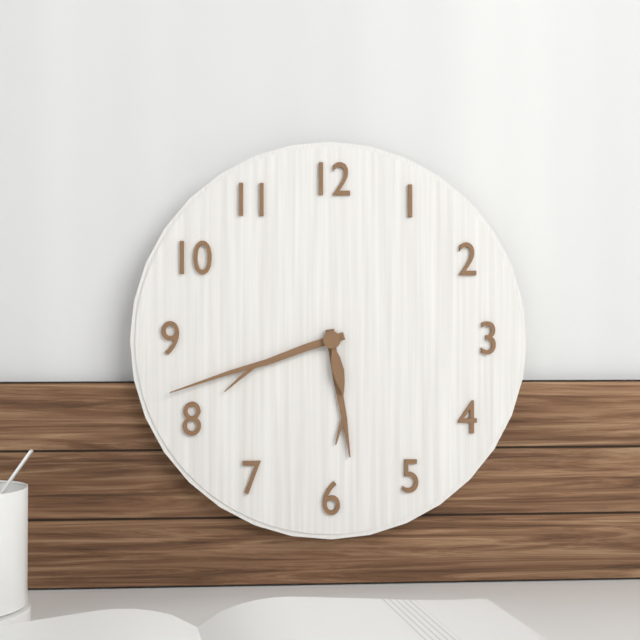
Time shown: 5:42:28
